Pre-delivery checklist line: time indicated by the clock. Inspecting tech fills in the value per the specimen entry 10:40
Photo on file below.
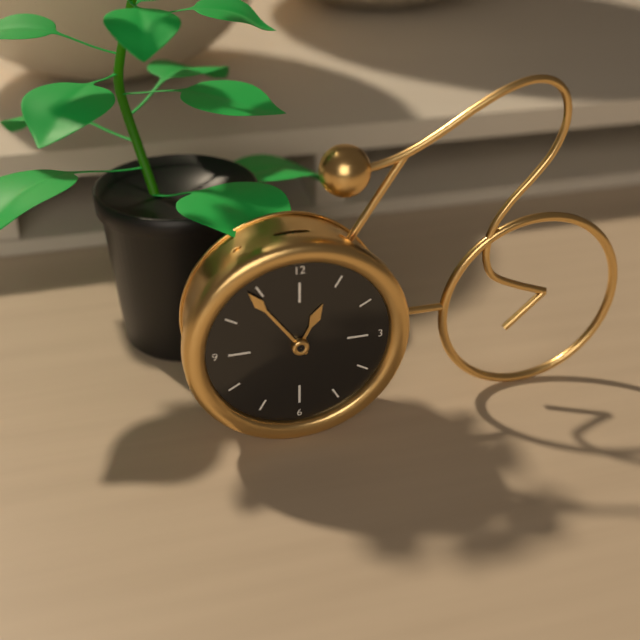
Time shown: 12:54
